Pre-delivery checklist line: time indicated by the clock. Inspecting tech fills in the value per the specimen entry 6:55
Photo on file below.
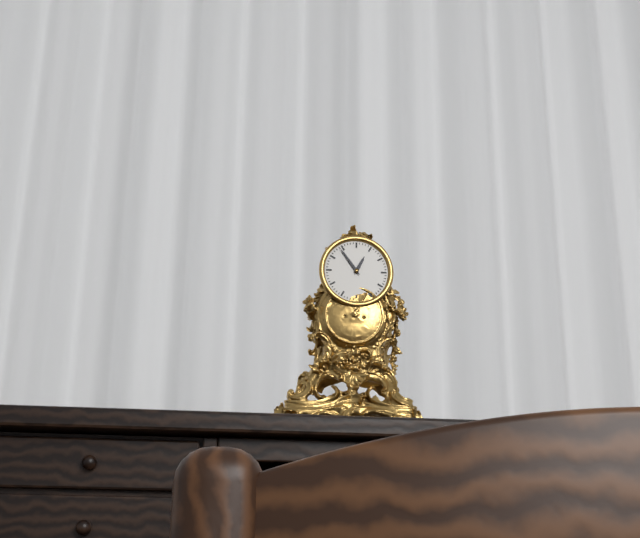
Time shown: 12:54
